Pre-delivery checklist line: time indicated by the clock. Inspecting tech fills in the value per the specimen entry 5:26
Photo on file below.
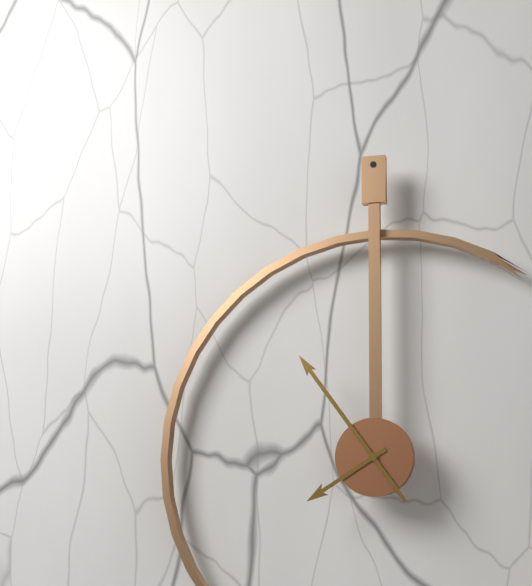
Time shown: 7:54
